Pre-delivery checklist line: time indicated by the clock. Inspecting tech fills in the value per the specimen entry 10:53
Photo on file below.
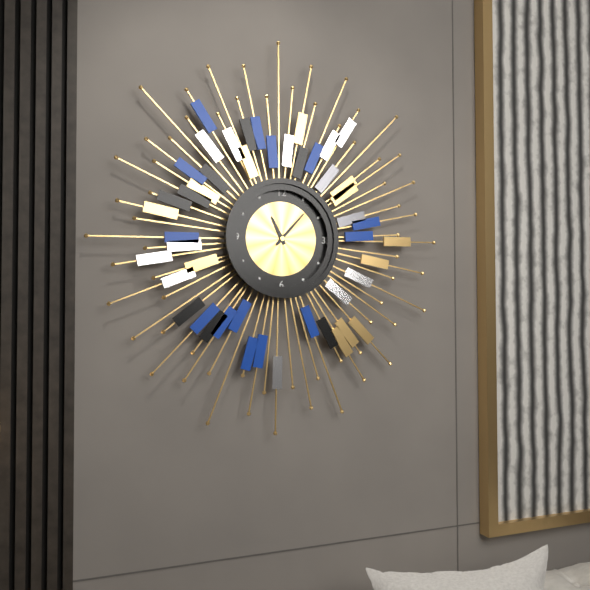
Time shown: 11:07
